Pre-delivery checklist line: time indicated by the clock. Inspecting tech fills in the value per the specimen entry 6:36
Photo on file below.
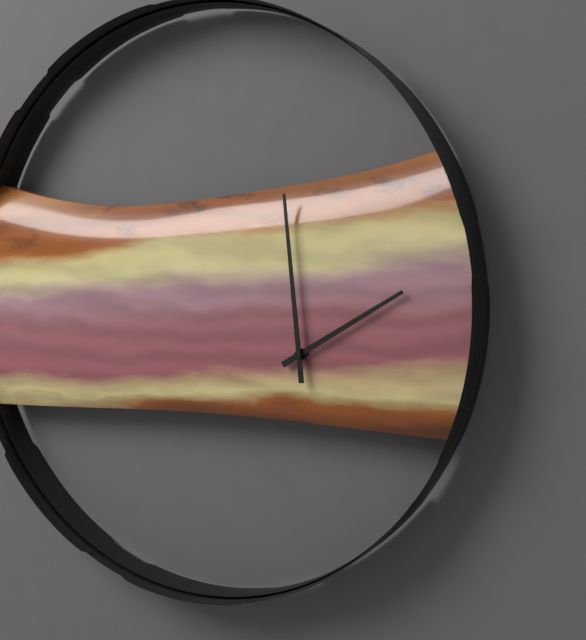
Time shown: 1:59
